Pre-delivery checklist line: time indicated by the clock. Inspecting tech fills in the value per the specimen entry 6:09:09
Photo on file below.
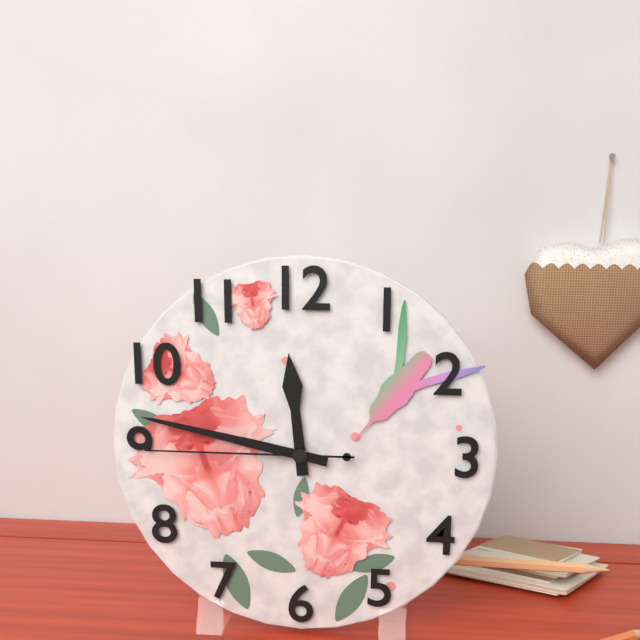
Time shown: 11:47:45
